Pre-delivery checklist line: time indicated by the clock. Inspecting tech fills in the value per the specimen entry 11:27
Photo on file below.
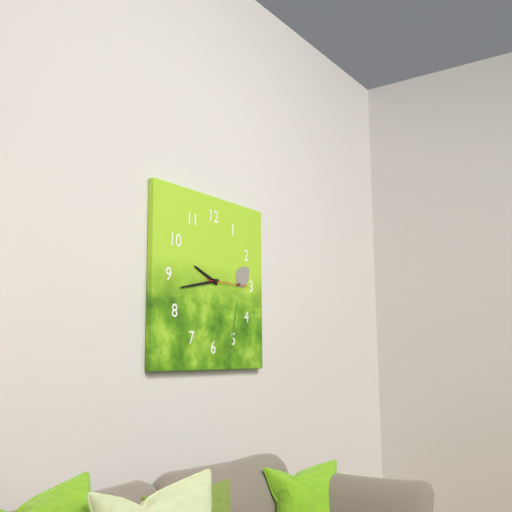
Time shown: 9:43
